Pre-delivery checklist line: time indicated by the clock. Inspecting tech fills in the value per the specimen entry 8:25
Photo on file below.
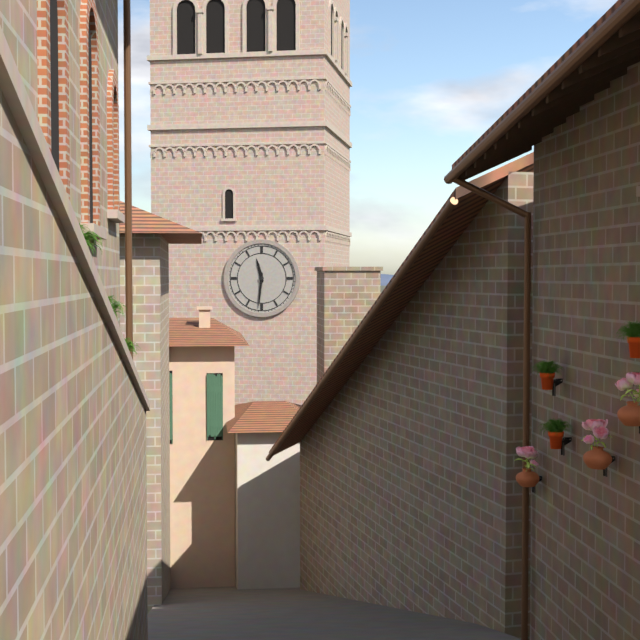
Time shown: 11:31
